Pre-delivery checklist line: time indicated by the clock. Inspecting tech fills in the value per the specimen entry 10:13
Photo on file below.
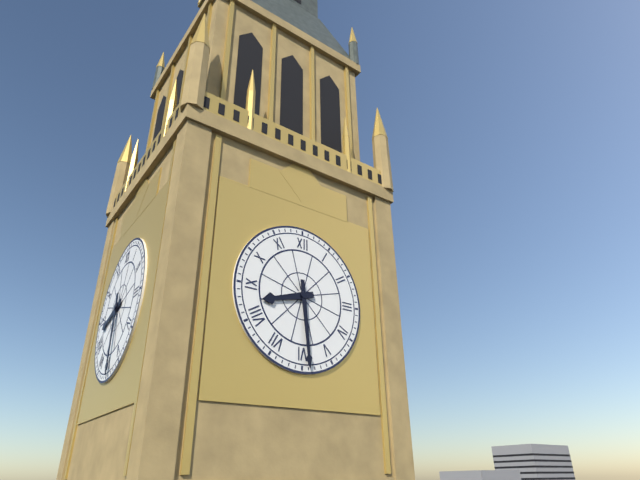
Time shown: 8:29
